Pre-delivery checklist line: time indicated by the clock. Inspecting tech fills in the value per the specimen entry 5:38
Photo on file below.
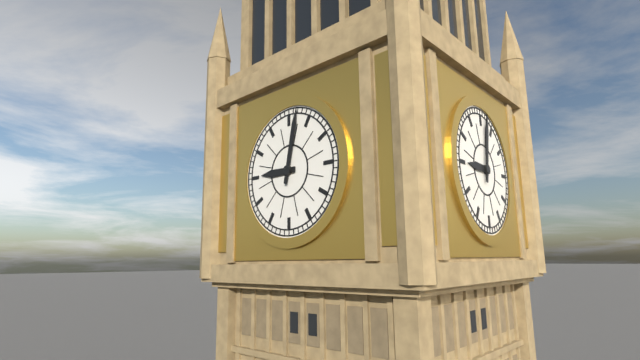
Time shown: 9:02
